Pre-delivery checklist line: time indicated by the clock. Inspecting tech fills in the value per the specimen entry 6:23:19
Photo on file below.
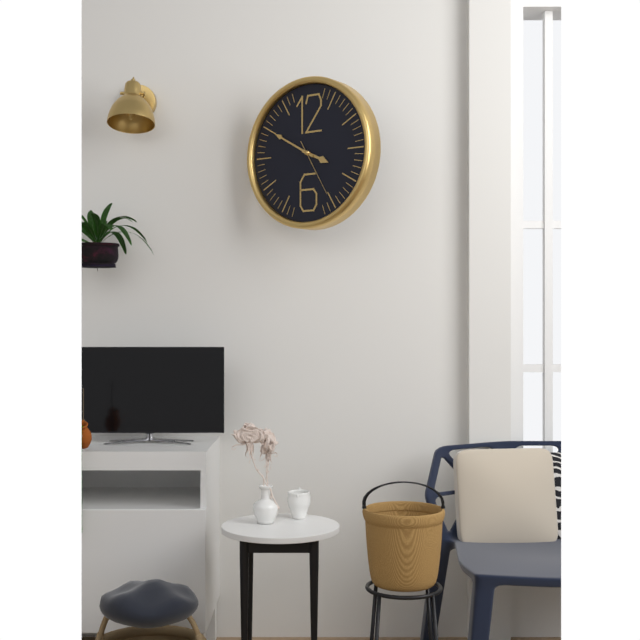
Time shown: 3:50:25
